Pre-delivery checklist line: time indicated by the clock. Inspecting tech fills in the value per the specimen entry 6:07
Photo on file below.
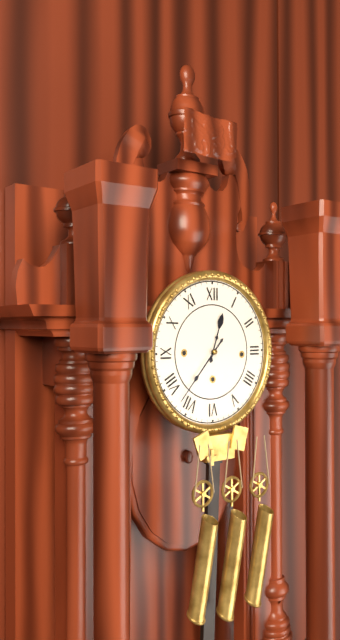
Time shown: 12:37
